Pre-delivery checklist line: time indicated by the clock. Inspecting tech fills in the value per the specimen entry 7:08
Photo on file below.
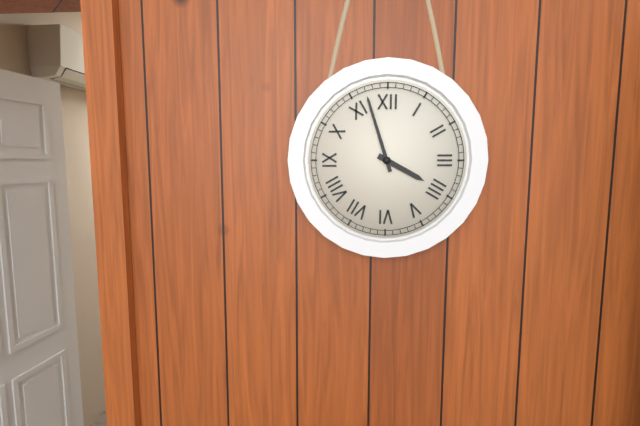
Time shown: 3:57
